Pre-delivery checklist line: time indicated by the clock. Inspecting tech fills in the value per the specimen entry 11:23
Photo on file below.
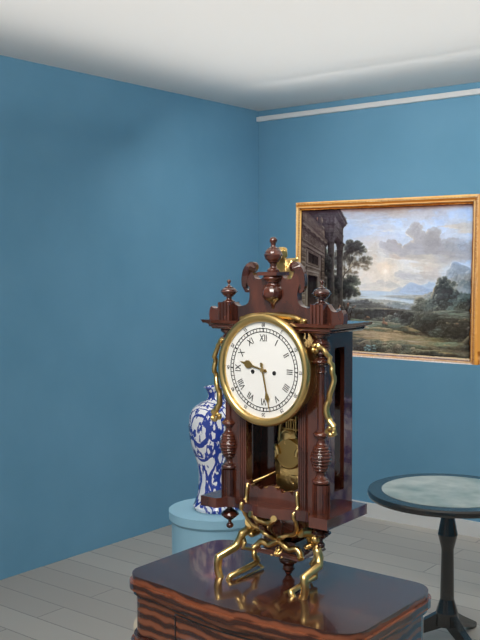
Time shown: 9:28
